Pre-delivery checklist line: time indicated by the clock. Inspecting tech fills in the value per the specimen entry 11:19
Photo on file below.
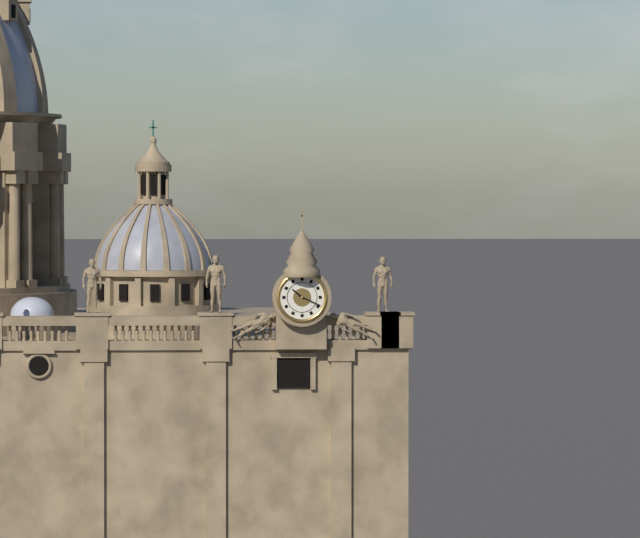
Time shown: 10:19
